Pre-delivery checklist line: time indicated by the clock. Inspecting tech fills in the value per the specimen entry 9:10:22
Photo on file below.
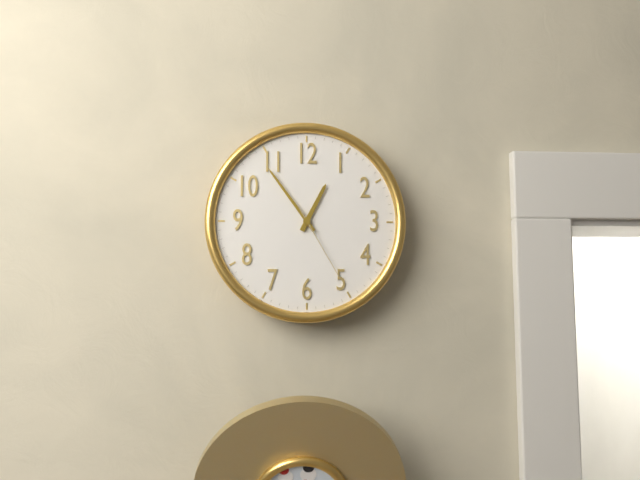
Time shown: 12:54:25
